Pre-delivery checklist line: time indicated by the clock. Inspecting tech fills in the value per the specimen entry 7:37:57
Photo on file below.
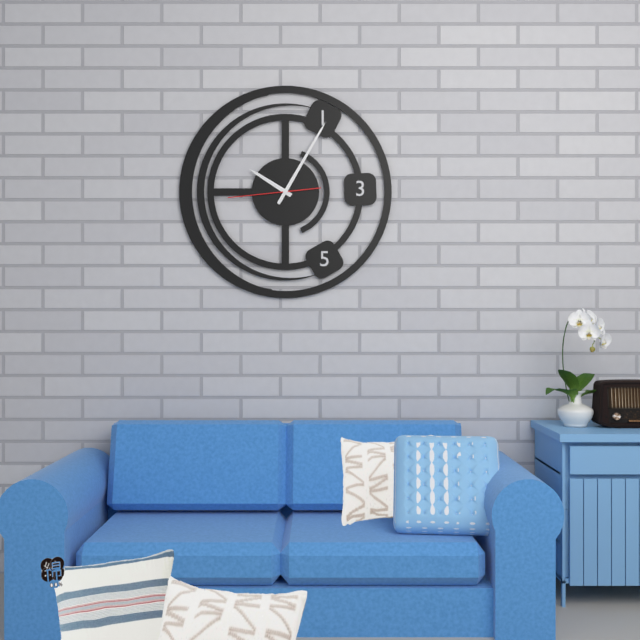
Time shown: 10:05:44
